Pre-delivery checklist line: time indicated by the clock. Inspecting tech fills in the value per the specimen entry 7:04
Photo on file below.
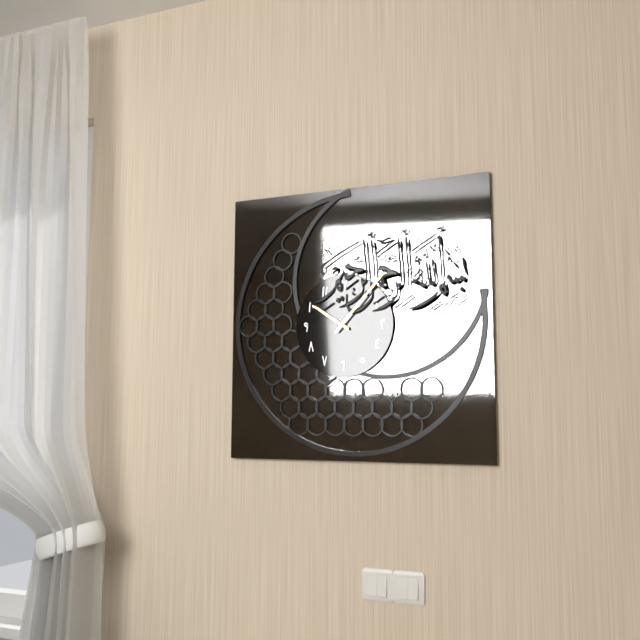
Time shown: 10:07
